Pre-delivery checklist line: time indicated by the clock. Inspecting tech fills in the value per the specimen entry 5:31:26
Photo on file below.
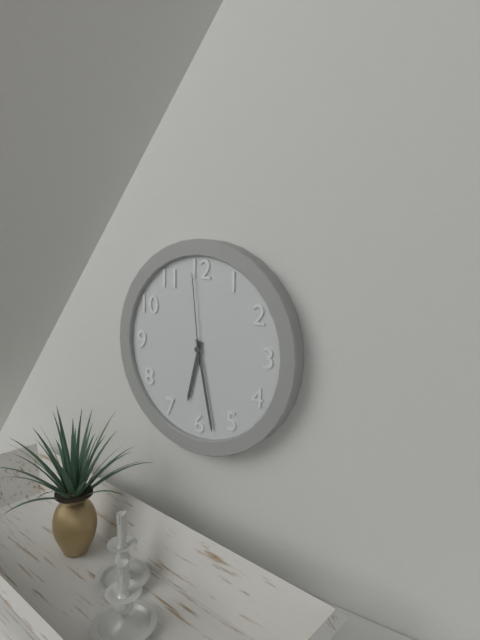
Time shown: 6:28:59
